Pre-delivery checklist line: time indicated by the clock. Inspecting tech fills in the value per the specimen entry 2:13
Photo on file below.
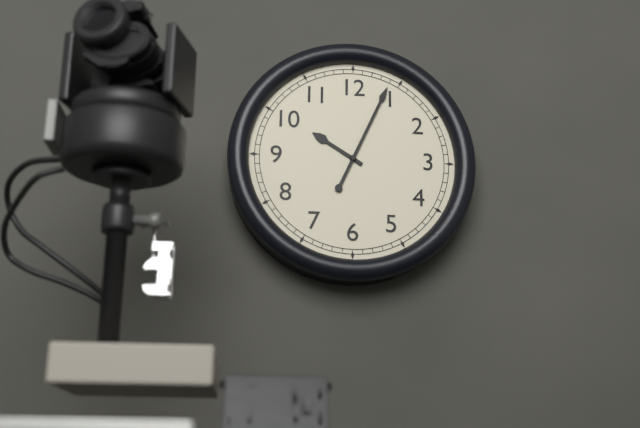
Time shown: 10:04
